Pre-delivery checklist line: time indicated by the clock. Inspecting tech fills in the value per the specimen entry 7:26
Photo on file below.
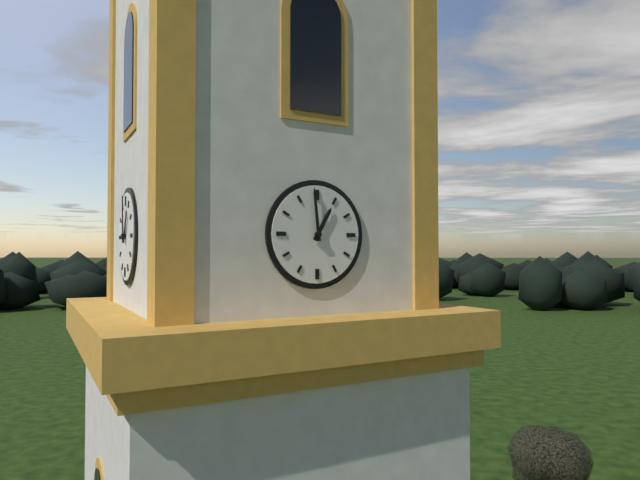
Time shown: 12:59
